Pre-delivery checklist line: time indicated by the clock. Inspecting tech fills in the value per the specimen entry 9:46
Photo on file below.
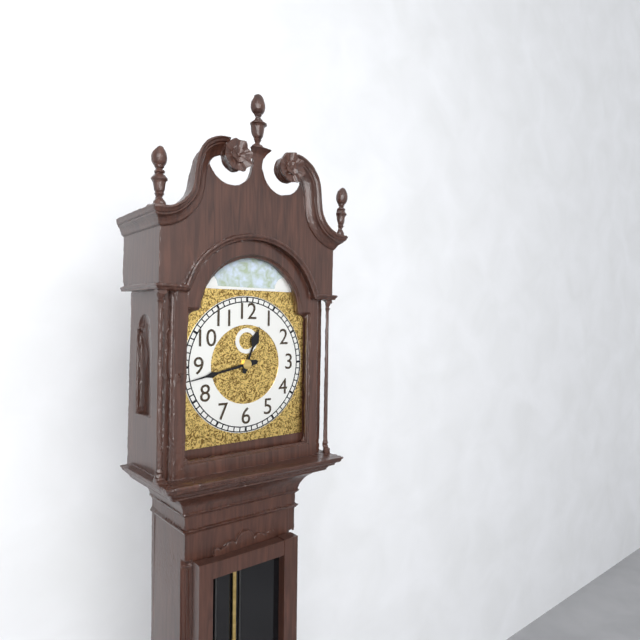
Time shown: 12:43
